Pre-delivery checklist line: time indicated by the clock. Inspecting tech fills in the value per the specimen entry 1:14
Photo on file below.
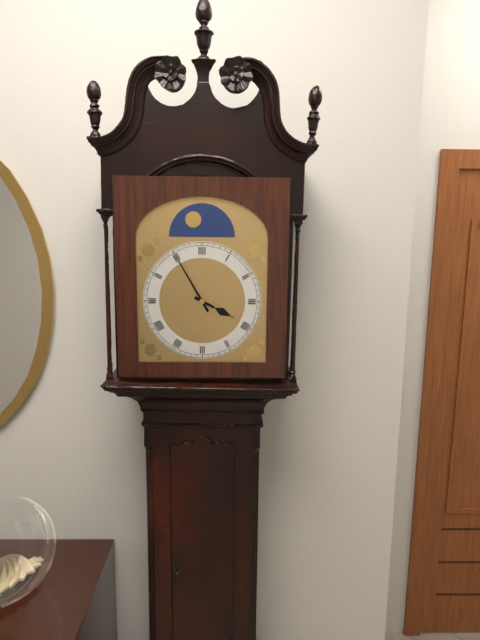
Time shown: 3:55
